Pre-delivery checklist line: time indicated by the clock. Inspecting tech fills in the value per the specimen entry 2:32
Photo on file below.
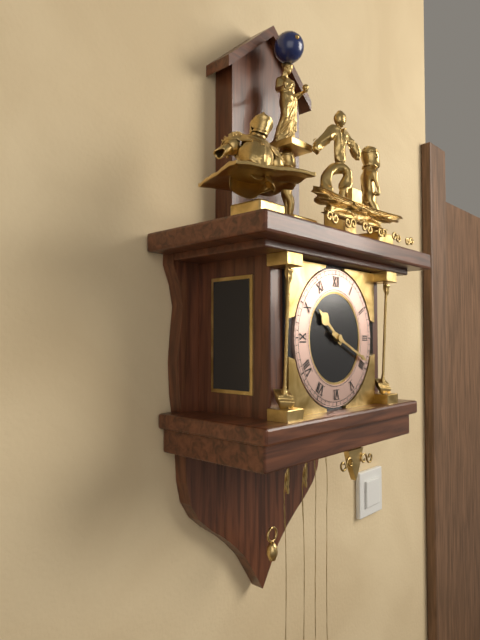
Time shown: 10:19
